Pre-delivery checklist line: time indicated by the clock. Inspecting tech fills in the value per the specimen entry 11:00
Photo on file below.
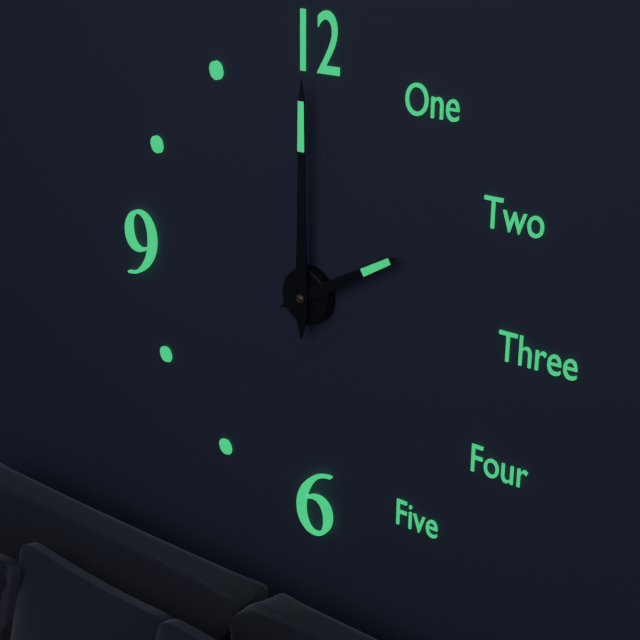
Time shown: 2:00
